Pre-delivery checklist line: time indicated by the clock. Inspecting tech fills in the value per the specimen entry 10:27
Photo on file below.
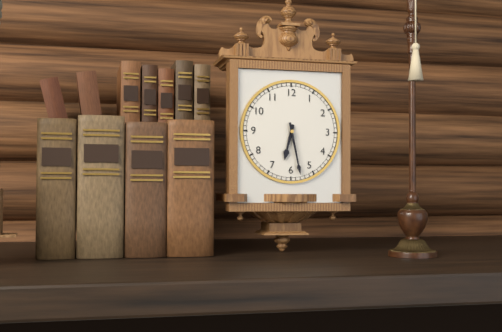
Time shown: 6:28
